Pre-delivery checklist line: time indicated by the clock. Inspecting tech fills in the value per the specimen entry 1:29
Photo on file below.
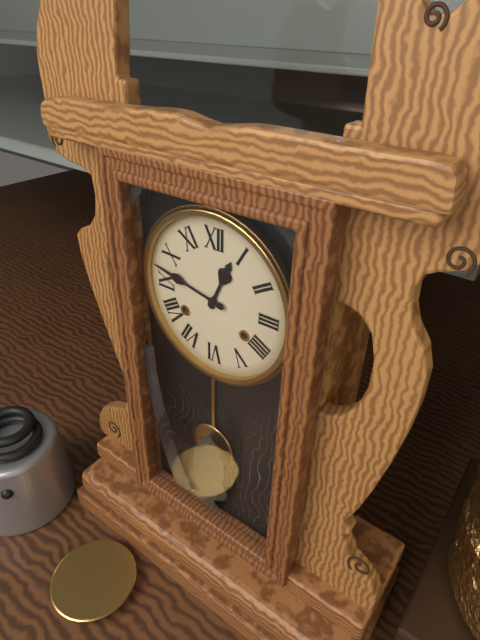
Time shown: 12:47
